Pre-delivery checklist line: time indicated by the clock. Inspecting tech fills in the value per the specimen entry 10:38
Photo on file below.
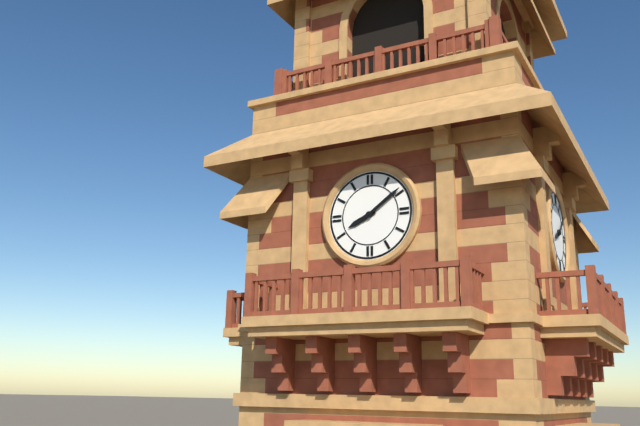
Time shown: 8:09
